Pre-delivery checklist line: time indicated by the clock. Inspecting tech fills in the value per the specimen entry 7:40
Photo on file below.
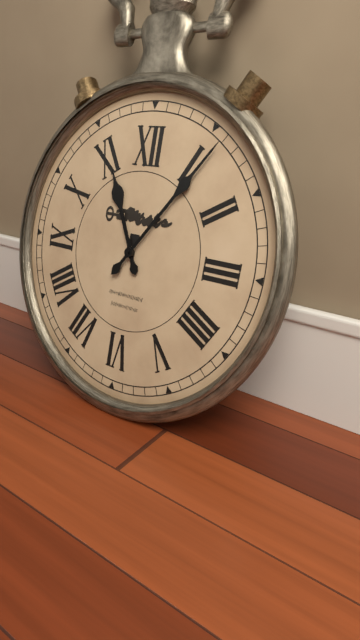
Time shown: 11:06
